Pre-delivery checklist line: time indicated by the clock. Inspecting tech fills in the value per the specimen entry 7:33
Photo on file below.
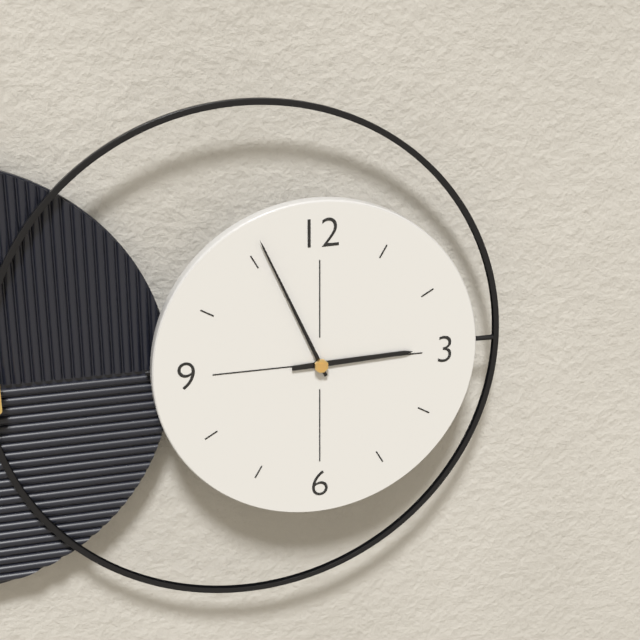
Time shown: 2:56
